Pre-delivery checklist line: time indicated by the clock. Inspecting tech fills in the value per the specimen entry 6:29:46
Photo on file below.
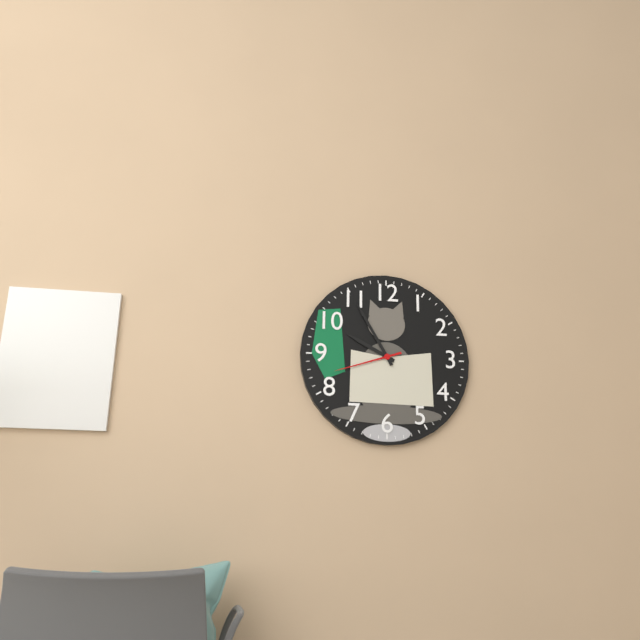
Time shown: 9:55:42
